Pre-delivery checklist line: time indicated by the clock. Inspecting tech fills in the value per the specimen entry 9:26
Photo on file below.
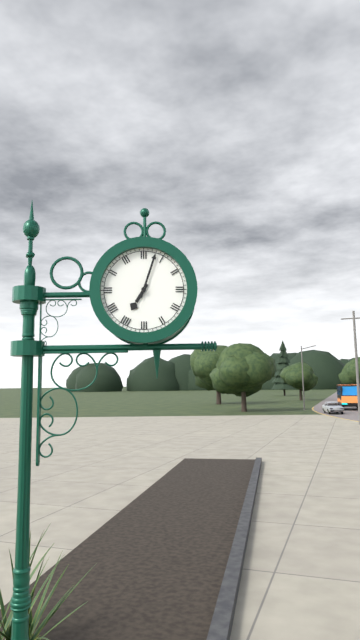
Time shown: 7:03
